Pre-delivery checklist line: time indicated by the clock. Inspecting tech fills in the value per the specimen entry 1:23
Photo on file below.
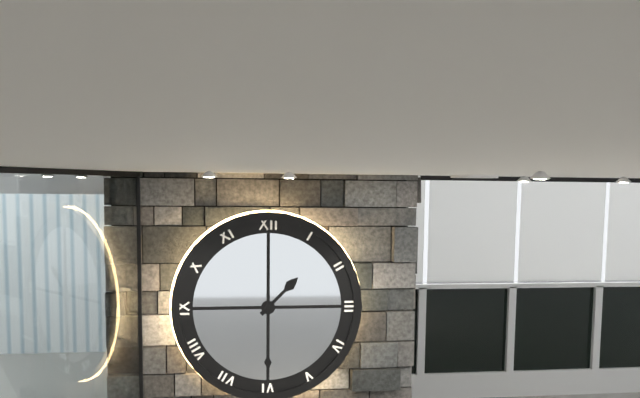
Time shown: 1:30
